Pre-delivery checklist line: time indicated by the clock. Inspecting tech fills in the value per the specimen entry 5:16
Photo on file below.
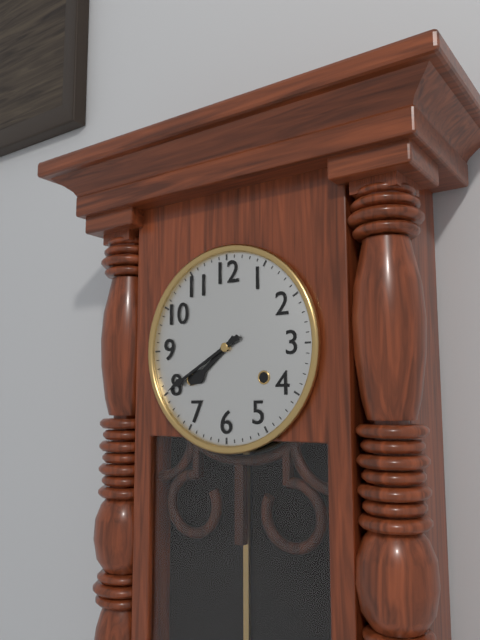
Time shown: 7:40
